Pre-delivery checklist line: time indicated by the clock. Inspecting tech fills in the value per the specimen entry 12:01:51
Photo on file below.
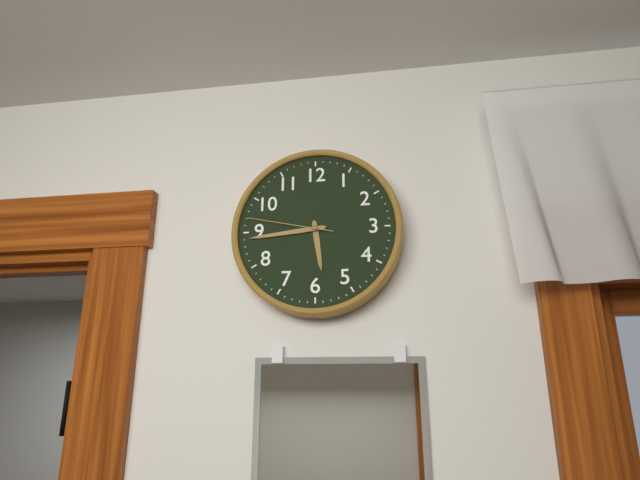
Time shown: 5:44:47
